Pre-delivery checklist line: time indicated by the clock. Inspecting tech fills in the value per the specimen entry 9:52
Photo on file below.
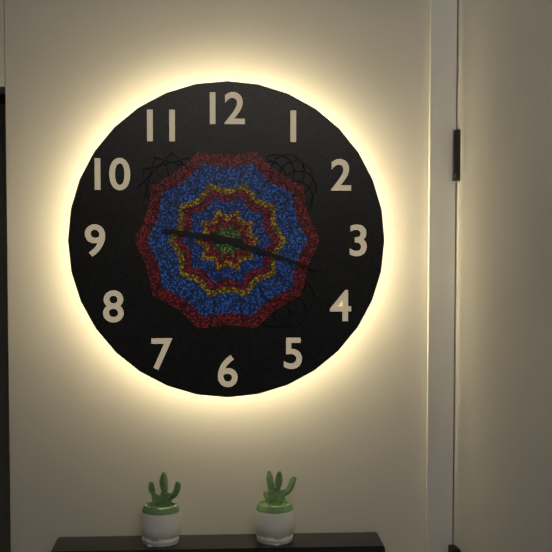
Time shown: 9:18
